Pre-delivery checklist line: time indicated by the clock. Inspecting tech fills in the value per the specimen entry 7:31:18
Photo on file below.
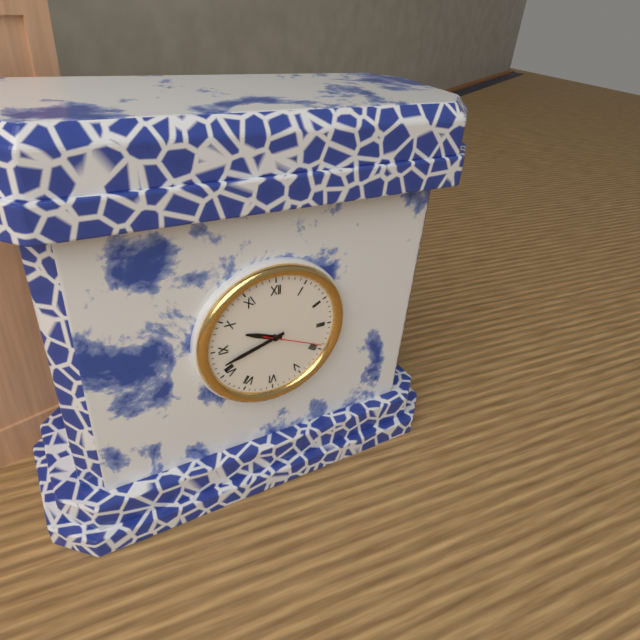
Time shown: 9:42:19
